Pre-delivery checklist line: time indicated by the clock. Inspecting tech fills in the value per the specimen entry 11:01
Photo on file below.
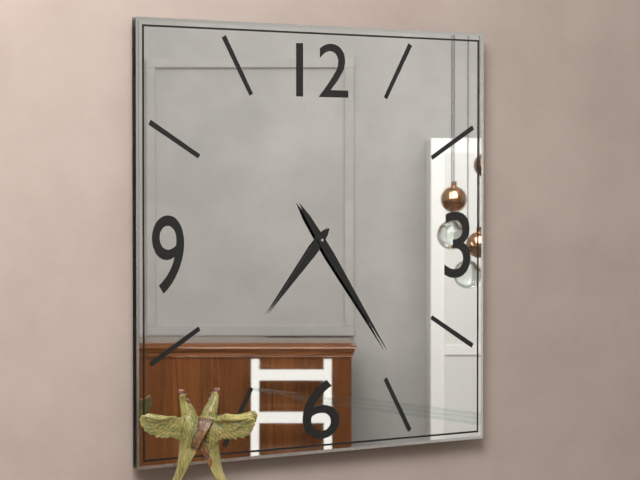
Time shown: 7:24
